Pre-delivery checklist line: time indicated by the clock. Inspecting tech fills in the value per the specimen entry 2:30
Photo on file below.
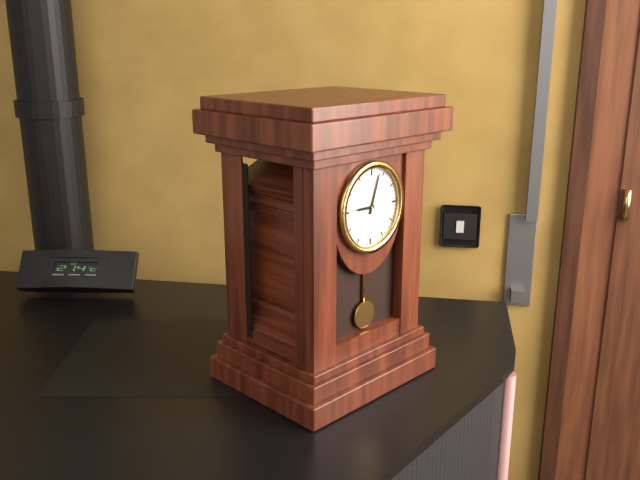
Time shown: 9:03
